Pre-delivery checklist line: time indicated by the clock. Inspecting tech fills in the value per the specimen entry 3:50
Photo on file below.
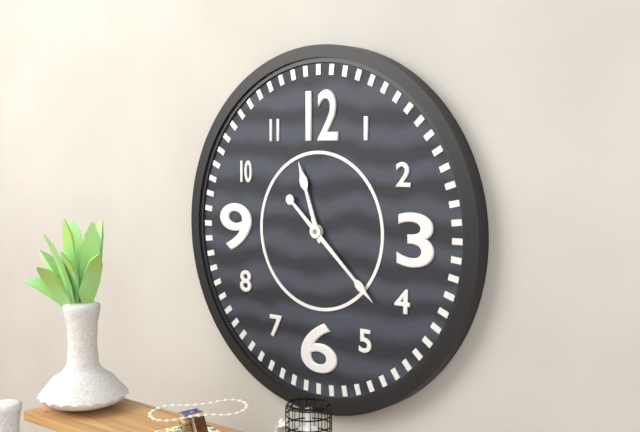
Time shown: 11:22
